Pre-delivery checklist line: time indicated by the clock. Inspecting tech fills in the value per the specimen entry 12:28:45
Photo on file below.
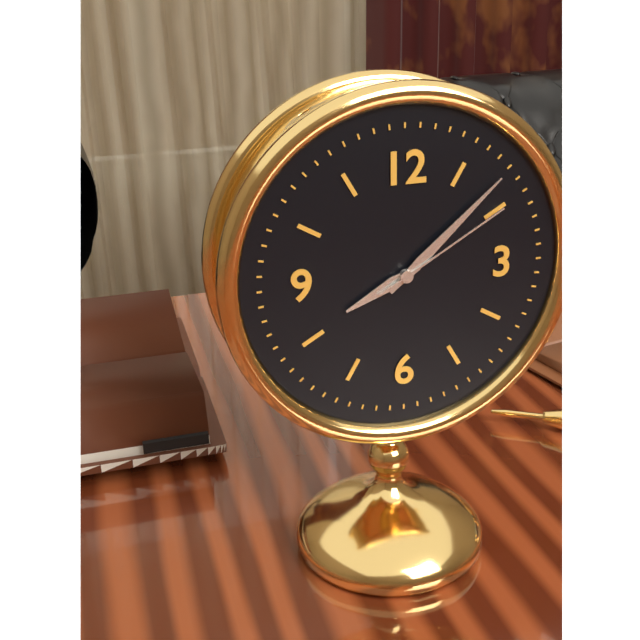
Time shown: 8:08:10
